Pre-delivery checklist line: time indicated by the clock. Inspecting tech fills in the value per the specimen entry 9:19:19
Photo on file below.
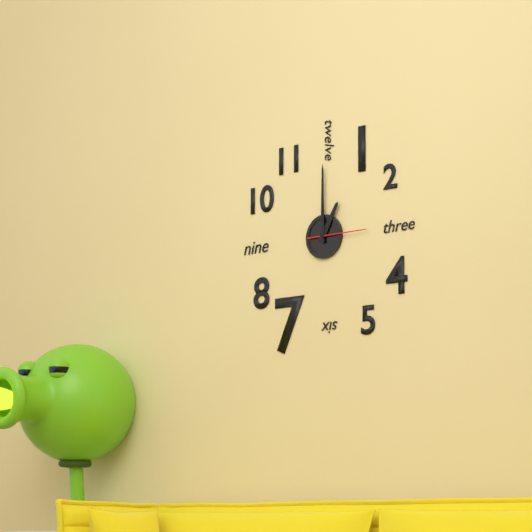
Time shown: 1:00:15
